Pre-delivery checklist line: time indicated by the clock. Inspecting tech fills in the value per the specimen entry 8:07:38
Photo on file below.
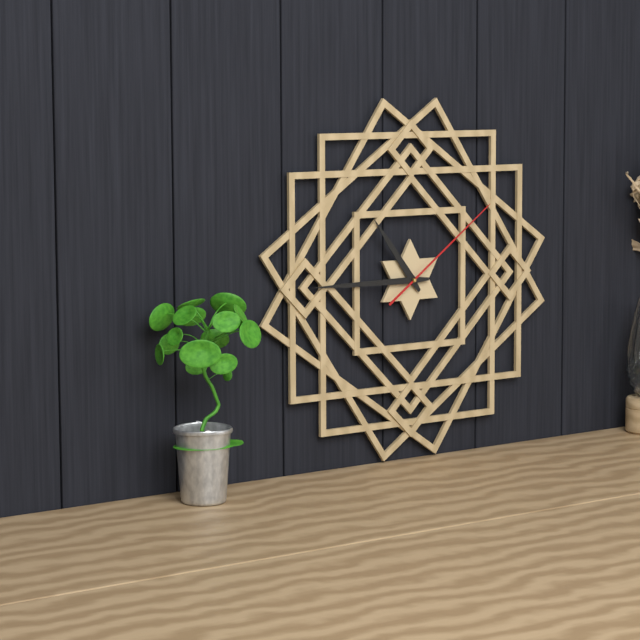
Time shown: 10:45:09
